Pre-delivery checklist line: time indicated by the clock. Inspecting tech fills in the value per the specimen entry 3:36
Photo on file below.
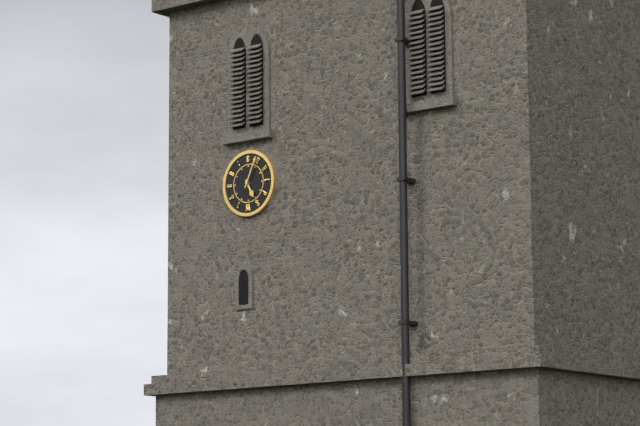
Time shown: 5:04
